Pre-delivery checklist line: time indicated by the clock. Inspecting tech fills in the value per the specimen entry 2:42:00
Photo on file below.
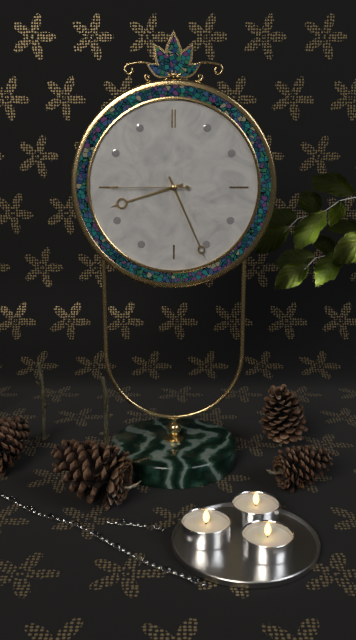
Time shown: 8:26:45
